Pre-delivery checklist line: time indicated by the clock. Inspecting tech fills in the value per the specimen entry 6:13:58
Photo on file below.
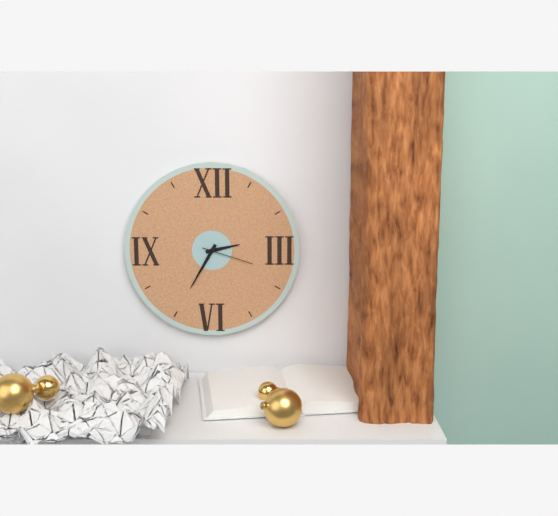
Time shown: 2:35:18
